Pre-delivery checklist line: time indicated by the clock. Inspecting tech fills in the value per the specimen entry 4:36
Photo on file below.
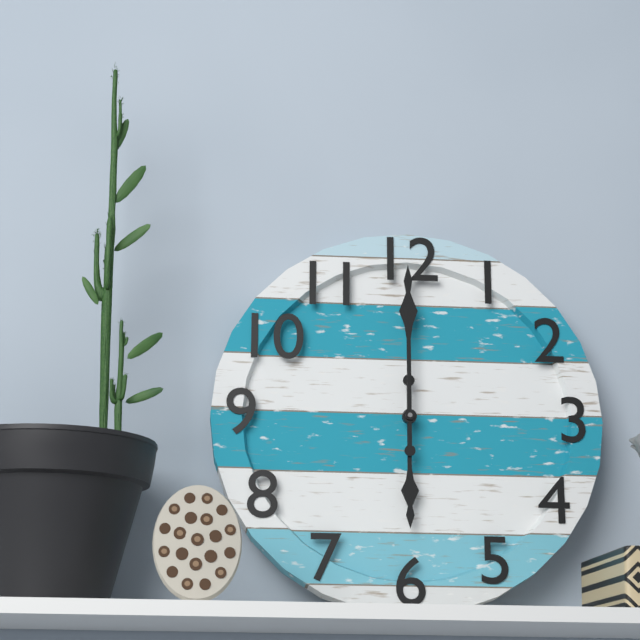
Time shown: 6:00
